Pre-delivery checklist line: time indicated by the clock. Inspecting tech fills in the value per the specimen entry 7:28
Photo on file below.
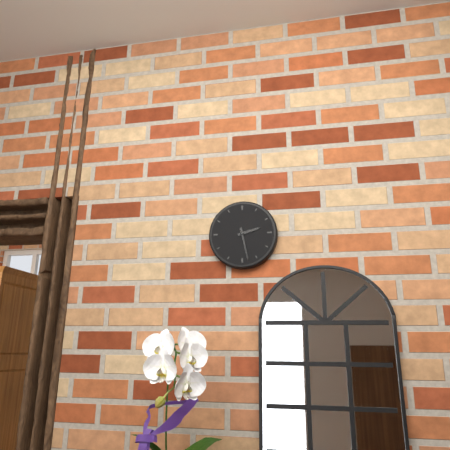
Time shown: 2:28
